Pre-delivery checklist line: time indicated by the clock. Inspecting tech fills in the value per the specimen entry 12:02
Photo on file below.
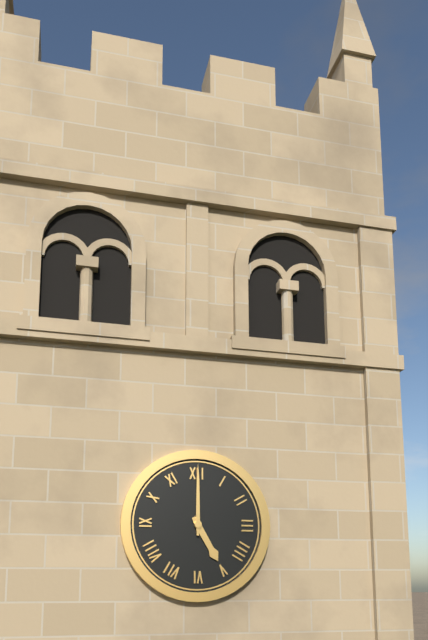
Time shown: 5:00
